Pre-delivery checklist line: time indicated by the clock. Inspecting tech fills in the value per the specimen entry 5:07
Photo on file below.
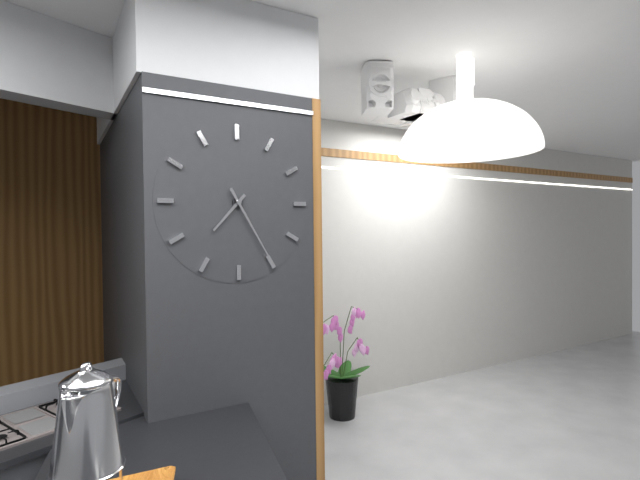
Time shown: 7:25
